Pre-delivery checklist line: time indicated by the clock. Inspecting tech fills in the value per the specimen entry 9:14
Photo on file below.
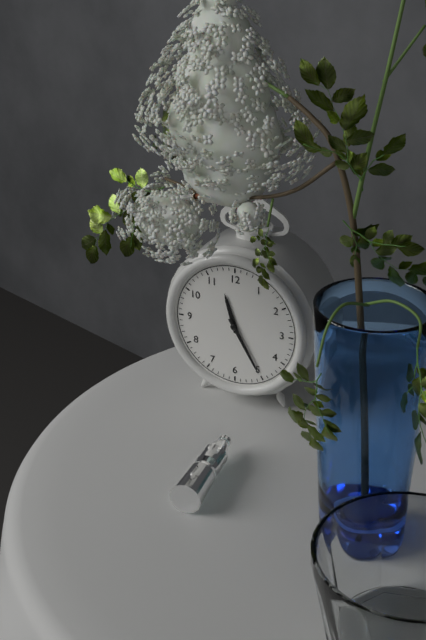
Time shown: 11:25
